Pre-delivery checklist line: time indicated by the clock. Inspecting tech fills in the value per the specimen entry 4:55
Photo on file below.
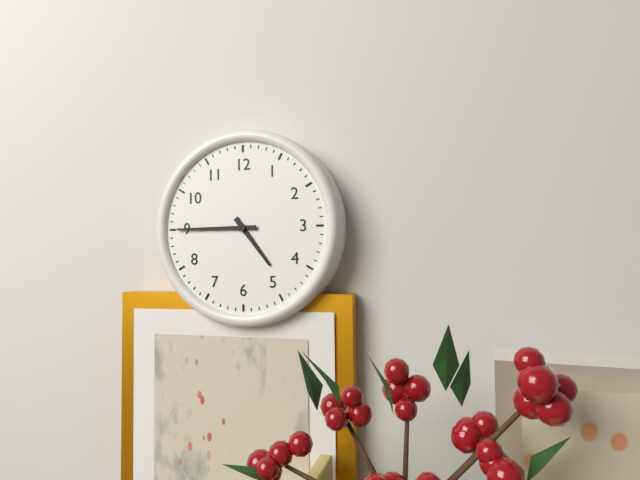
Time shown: 4:45
